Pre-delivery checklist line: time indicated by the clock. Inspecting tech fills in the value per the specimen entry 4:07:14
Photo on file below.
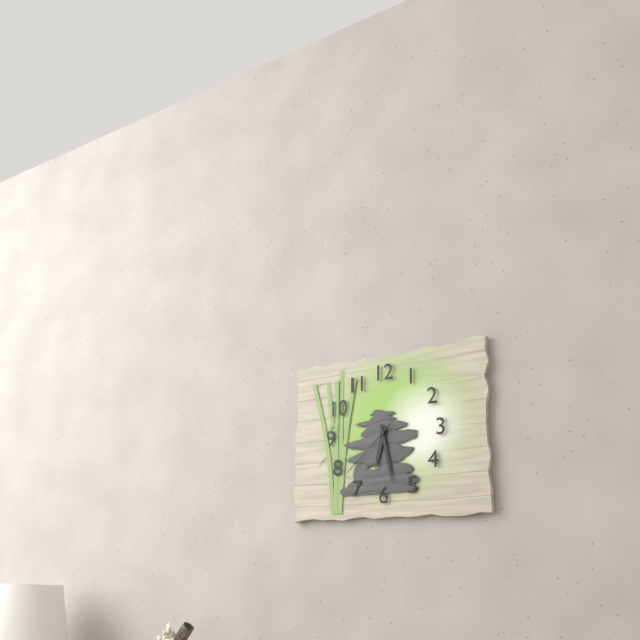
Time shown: 6:28:38
